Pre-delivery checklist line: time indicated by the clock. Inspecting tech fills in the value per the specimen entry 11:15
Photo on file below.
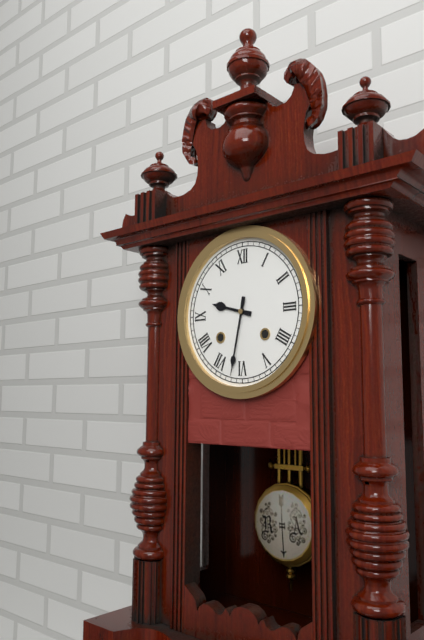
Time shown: 9:32
